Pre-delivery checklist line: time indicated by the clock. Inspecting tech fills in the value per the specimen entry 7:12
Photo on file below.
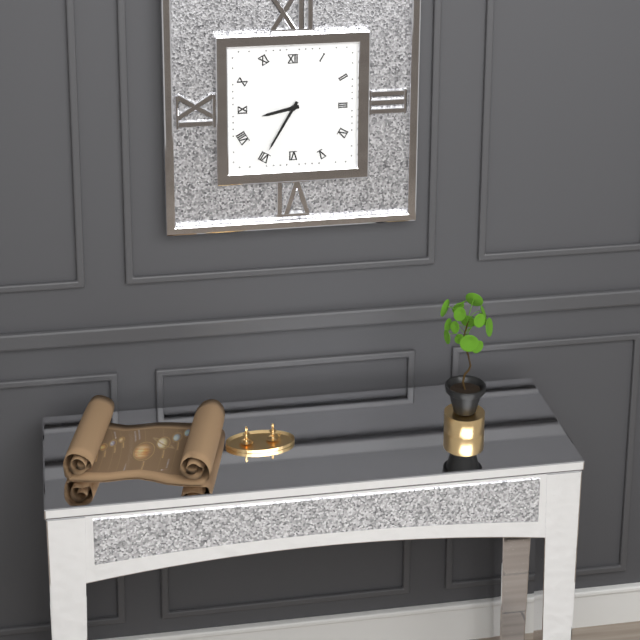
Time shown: 8:35
